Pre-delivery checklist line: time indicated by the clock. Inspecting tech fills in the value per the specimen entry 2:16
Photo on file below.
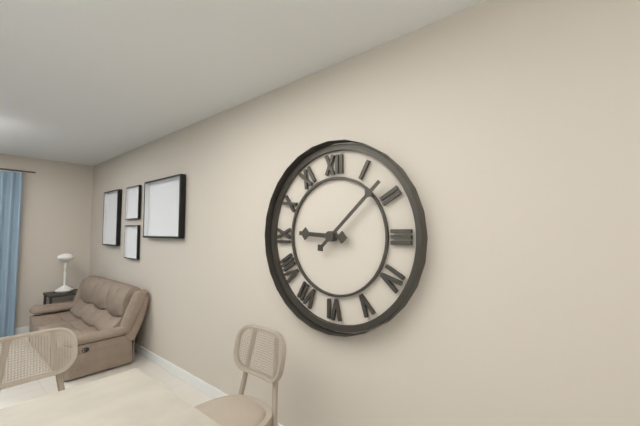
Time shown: 9:08
